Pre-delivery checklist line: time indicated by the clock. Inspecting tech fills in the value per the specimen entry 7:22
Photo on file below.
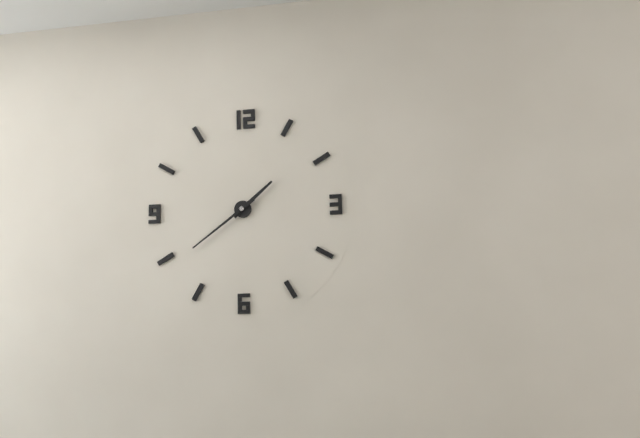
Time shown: 1:39
